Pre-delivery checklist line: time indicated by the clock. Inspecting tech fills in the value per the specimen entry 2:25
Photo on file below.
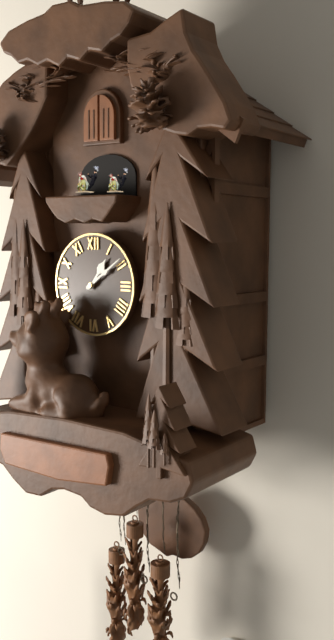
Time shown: 1:09
